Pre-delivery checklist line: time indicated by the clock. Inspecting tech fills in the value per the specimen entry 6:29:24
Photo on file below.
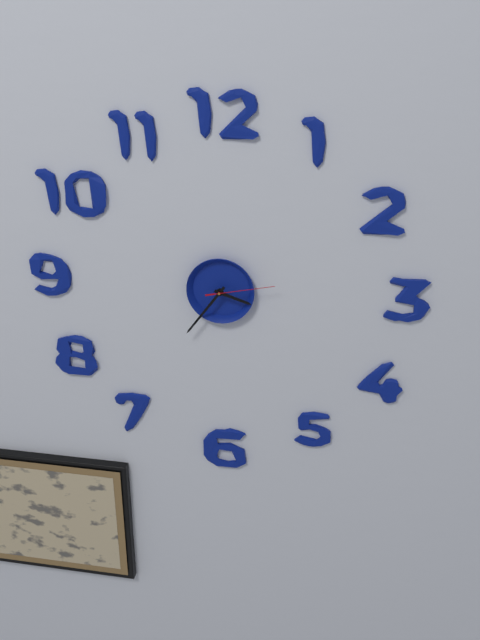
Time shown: 3:36:13
